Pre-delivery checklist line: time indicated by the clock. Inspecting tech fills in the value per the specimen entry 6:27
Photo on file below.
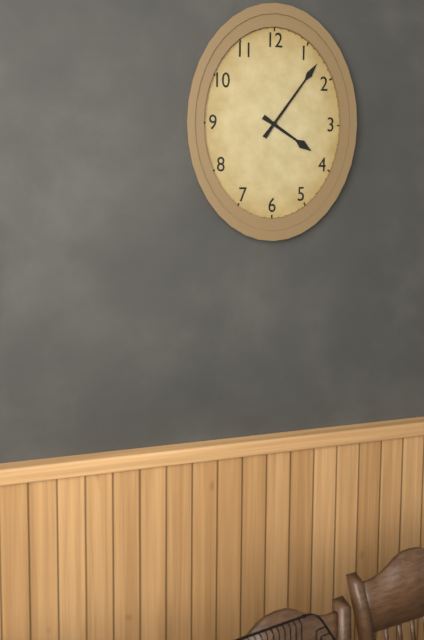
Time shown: 4:06
